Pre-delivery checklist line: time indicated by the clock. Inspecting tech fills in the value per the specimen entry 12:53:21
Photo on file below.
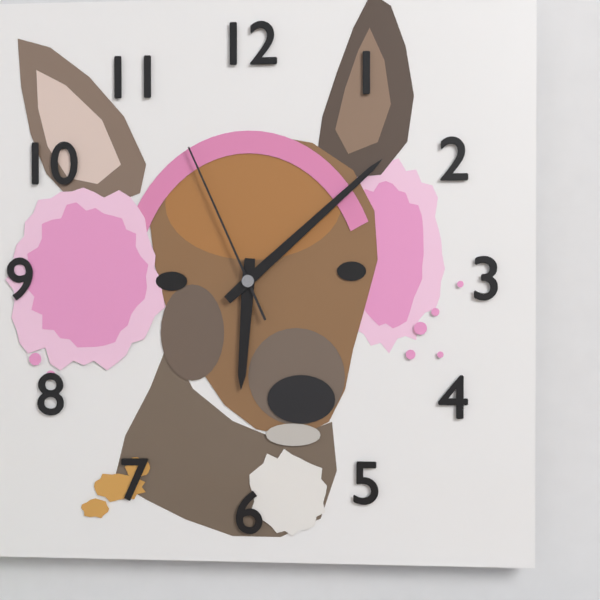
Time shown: 6:08:56
